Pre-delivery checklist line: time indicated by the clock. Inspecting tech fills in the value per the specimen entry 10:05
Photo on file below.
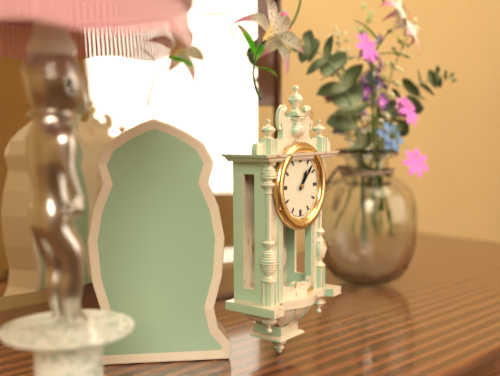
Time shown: 1:07
